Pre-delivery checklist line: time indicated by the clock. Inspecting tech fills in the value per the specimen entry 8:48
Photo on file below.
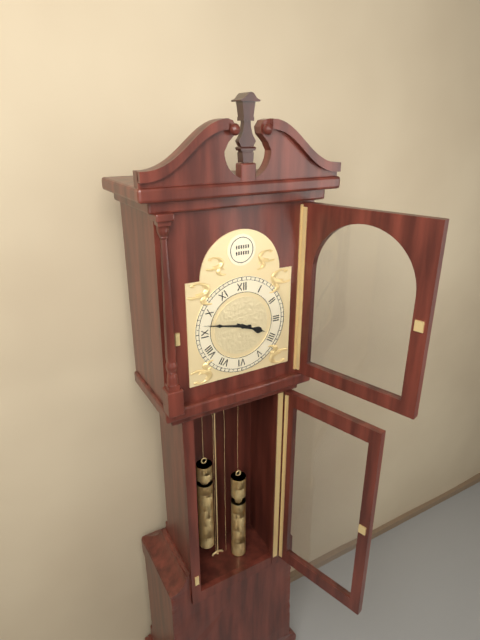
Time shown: 3:47
